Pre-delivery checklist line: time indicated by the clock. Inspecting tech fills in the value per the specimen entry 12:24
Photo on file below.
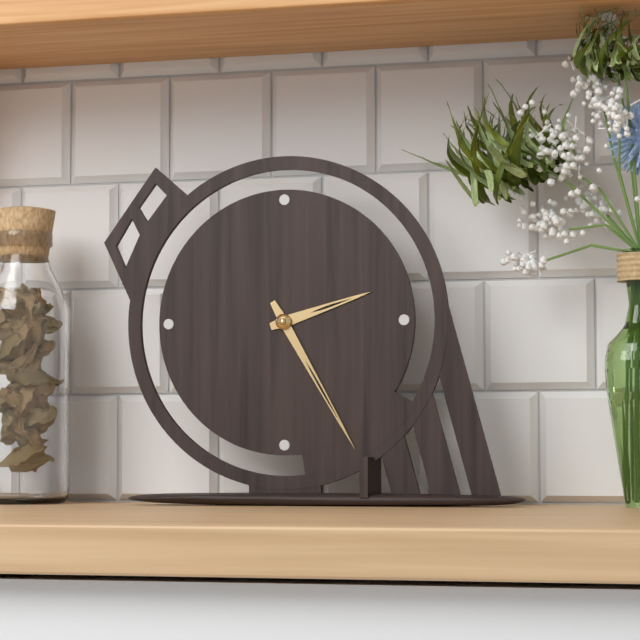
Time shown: 2:25
